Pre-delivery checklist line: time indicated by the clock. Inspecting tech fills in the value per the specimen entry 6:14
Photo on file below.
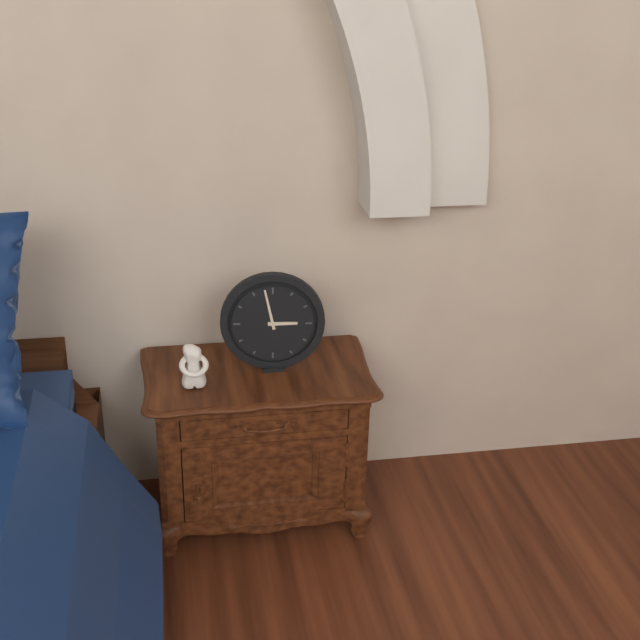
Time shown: 2:58
